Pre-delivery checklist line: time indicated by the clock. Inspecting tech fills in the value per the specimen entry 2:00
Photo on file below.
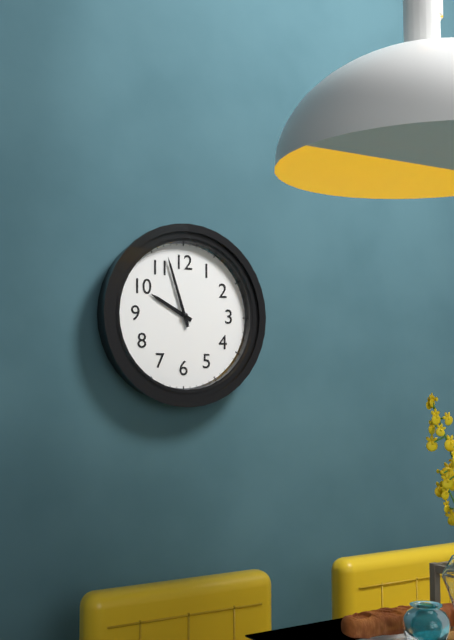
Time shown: 9:57
